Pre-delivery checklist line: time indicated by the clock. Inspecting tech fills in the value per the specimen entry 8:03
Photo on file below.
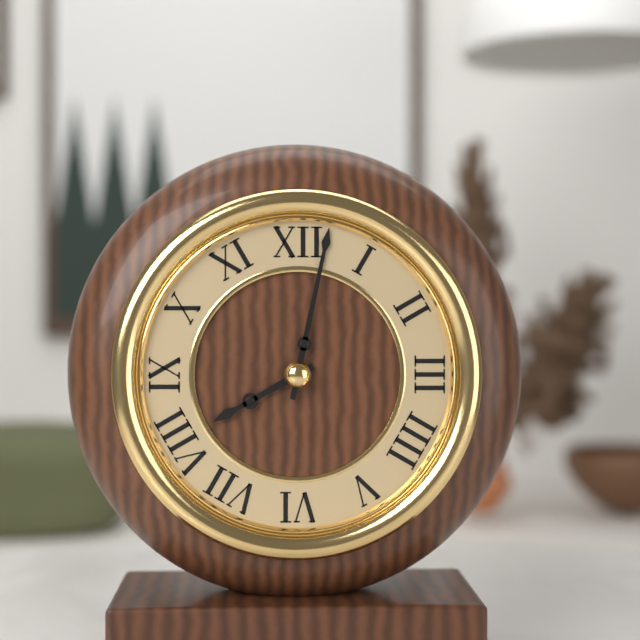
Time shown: 8:02
